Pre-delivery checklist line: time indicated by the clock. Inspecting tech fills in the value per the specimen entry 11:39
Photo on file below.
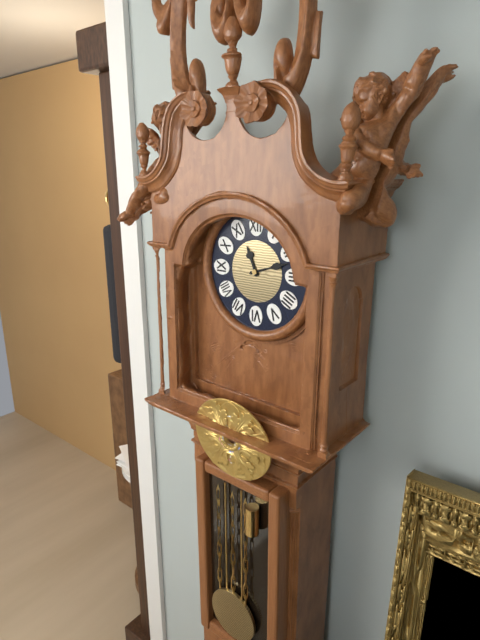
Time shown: 11:12
